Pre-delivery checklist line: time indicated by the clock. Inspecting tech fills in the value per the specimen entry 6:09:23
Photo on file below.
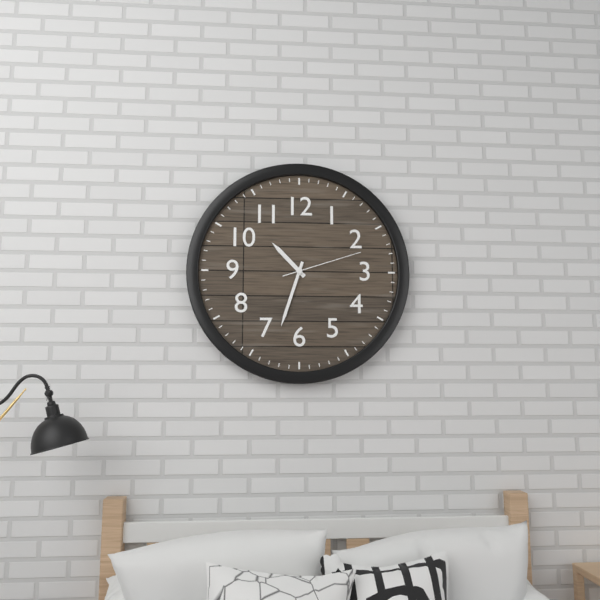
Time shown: 10:33:12
